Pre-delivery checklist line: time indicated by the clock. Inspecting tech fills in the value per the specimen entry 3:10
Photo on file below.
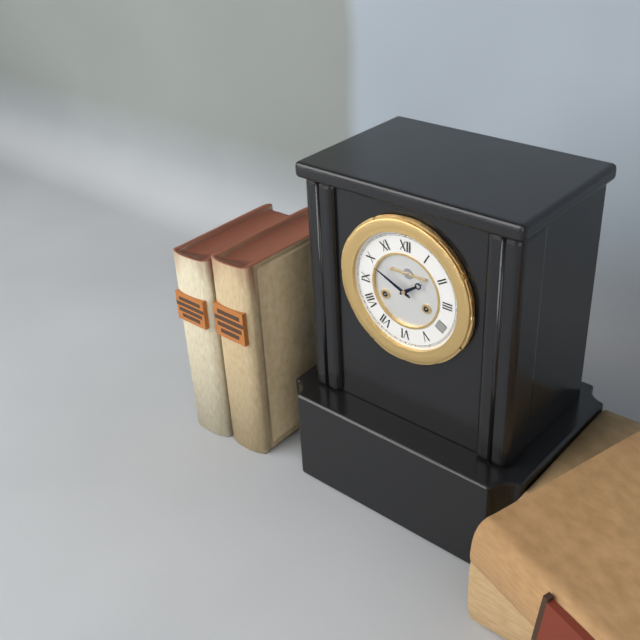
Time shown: 1:49
